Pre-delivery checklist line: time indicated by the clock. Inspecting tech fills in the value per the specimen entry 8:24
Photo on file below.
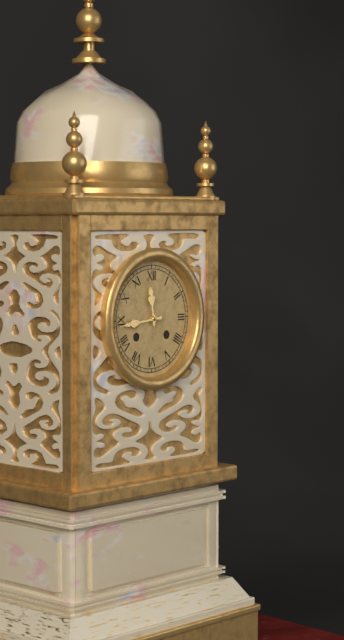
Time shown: 11:44
